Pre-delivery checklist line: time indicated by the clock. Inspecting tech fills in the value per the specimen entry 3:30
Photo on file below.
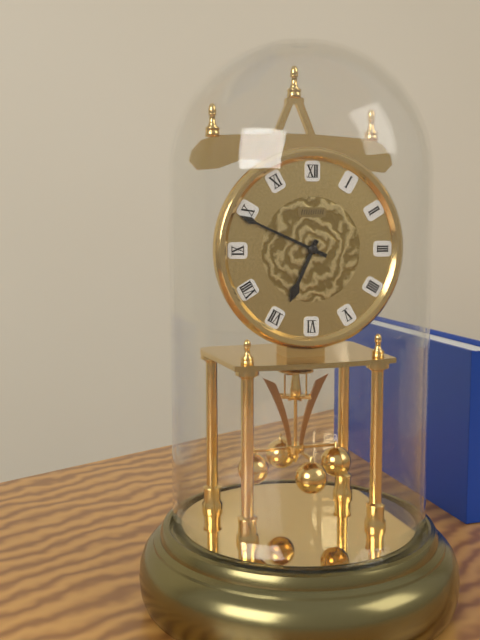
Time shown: 6:49
